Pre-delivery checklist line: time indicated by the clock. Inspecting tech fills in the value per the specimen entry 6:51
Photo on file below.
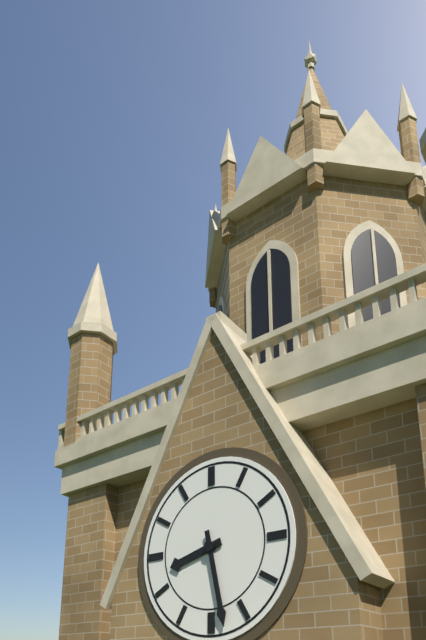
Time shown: 8:28
